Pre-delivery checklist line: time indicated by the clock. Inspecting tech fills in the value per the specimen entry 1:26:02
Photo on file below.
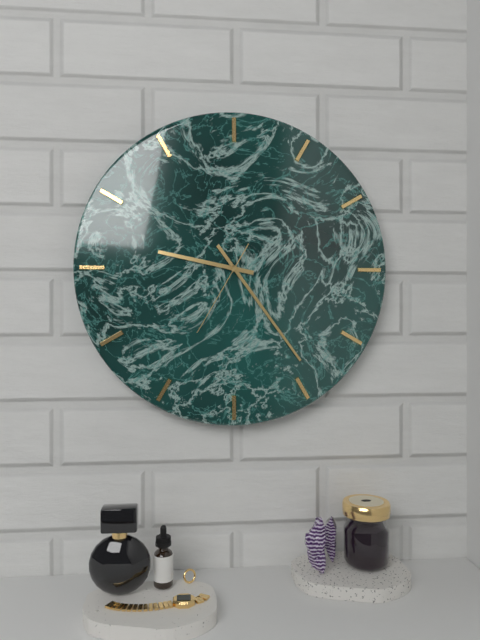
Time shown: 9:24:35
